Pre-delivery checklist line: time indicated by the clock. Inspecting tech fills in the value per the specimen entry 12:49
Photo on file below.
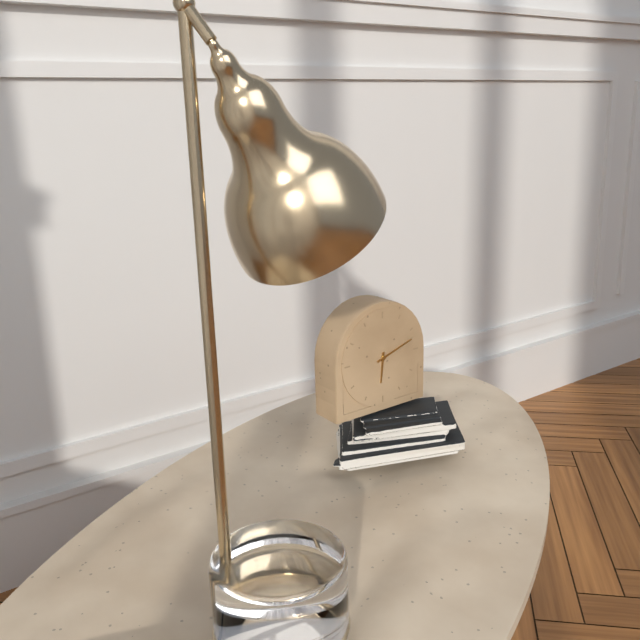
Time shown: 6:12
